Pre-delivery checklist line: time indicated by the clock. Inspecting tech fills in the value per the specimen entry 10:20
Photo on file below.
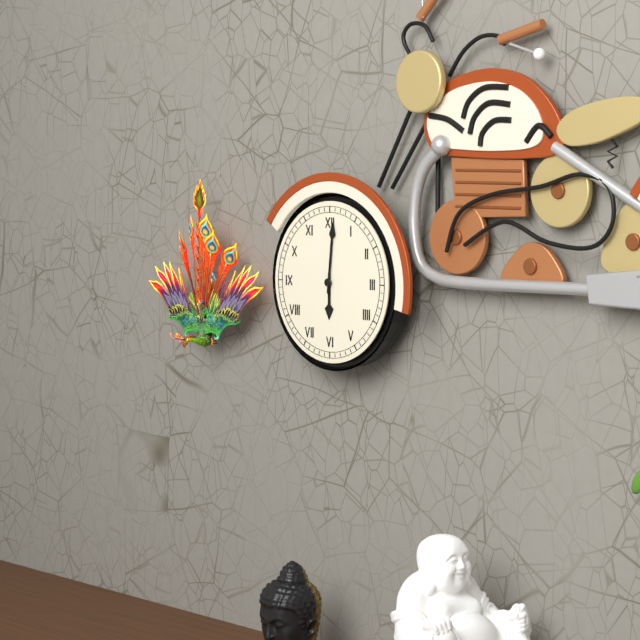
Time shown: 6:01
